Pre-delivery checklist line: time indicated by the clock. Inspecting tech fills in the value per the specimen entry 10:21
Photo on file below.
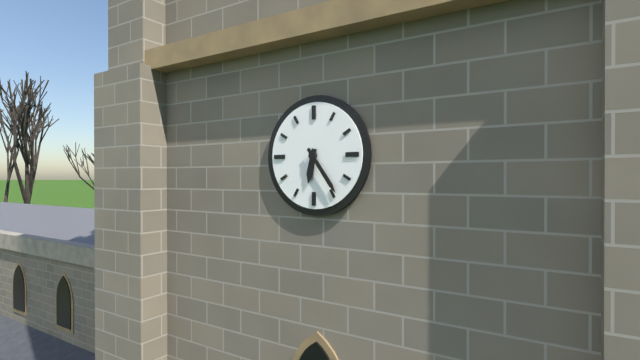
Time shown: 6:24
